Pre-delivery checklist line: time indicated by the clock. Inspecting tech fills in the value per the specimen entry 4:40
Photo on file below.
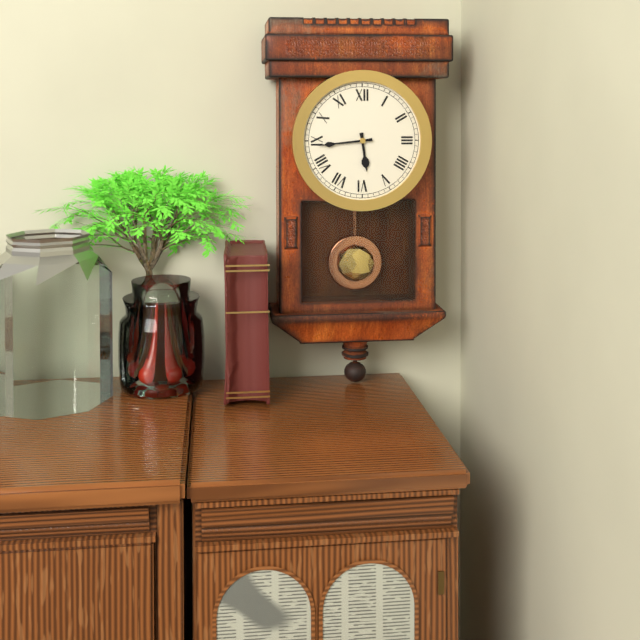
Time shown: 5:44
